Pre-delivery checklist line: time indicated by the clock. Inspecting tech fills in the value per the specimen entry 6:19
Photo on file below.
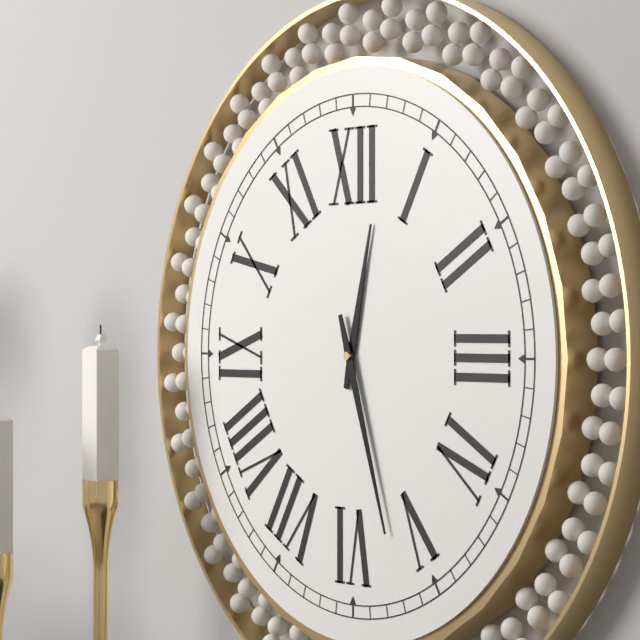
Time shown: 12:27
